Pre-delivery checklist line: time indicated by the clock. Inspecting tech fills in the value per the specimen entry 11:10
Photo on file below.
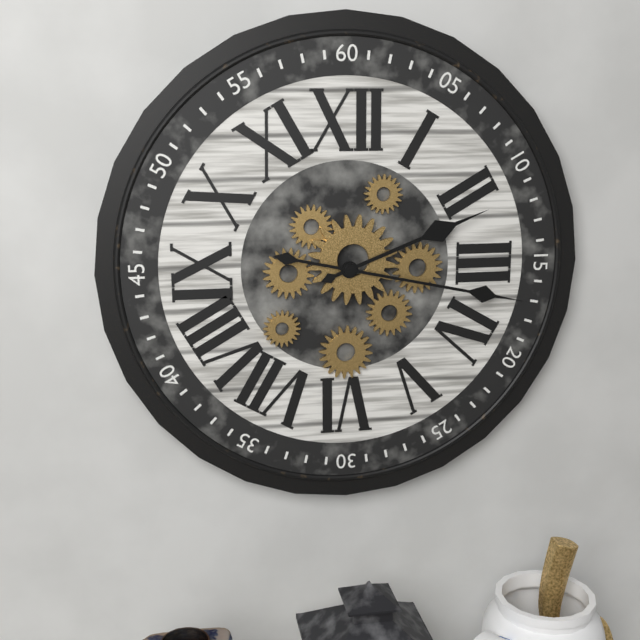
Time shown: 2:17
